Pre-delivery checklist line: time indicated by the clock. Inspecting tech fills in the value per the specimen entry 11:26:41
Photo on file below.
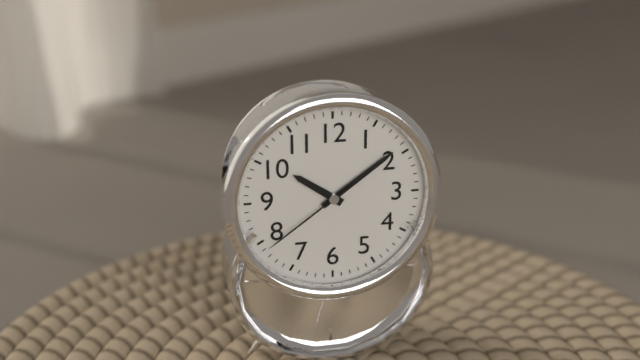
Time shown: 10:09:39
